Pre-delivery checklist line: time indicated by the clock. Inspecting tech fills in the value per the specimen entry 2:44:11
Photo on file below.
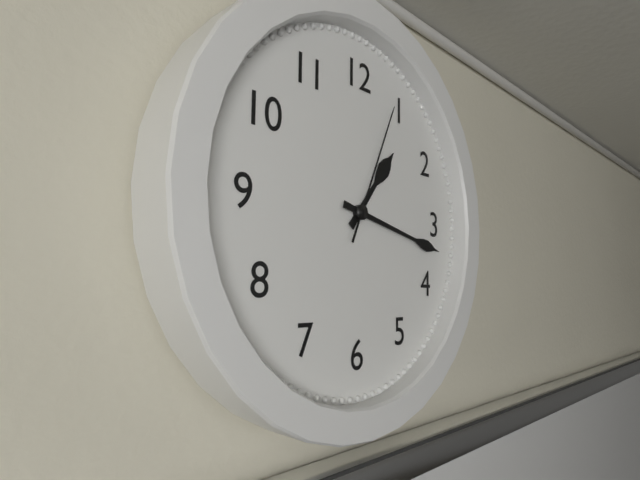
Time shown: 1:17:04
